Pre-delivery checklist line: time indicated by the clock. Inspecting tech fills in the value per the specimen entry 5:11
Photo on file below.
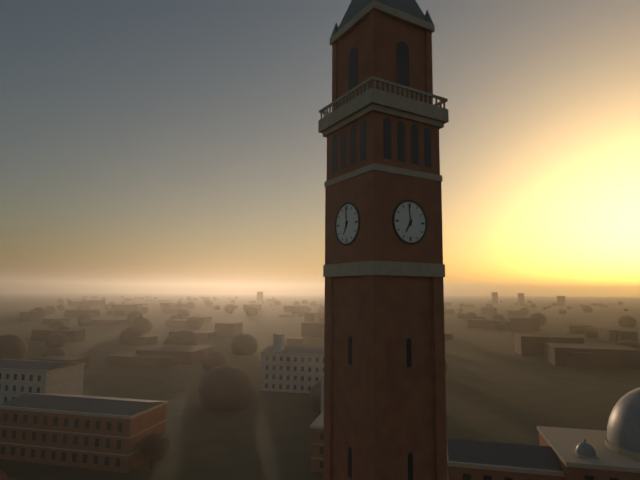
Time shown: 6:59
